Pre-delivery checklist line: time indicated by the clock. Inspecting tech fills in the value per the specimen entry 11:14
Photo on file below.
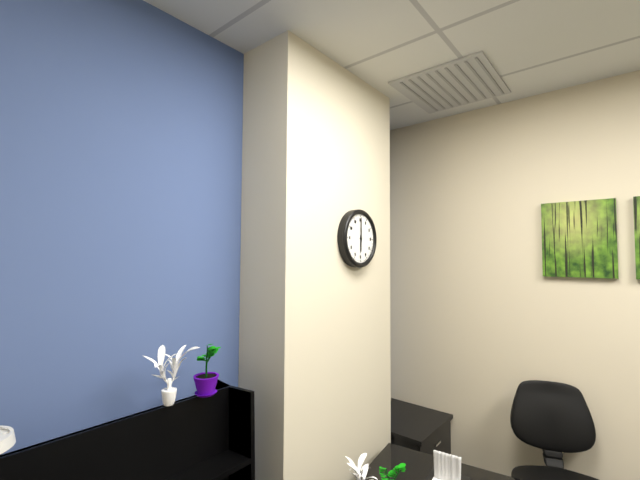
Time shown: 6:00
